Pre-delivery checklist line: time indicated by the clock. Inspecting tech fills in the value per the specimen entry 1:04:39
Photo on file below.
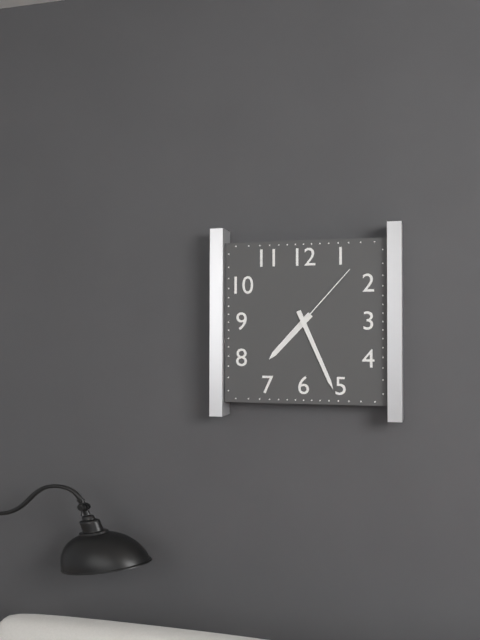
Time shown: 7:26:07
